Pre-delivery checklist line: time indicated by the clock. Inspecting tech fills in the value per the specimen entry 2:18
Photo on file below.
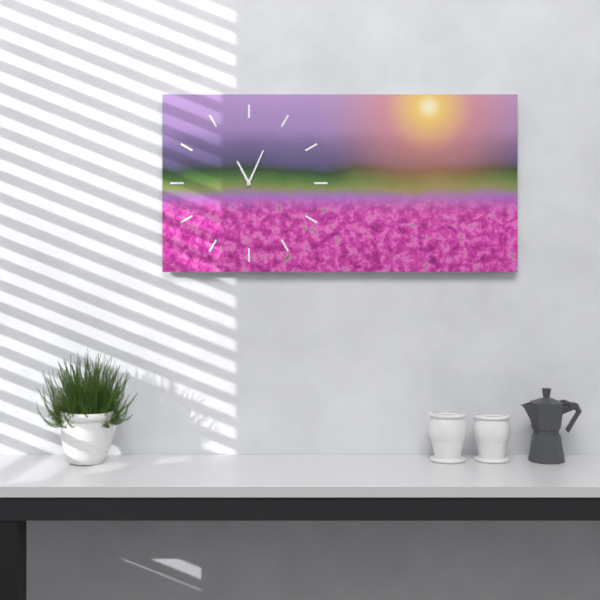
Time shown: 11:04
